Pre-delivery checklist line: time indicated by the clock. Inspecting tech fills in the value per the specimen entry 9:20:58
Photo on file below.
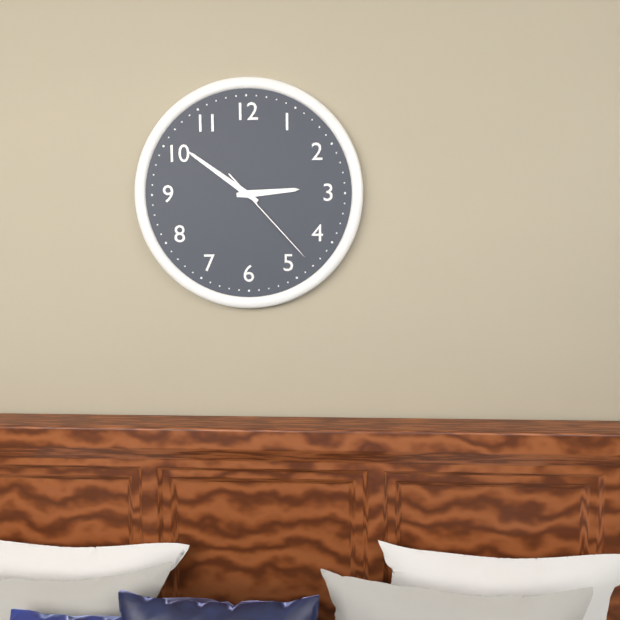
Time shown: 2:51:23
